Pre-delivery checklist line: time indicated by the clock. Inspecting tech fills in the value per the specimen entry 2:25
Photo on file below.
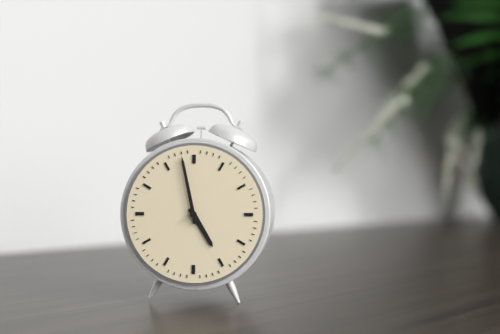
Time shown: 4:58
